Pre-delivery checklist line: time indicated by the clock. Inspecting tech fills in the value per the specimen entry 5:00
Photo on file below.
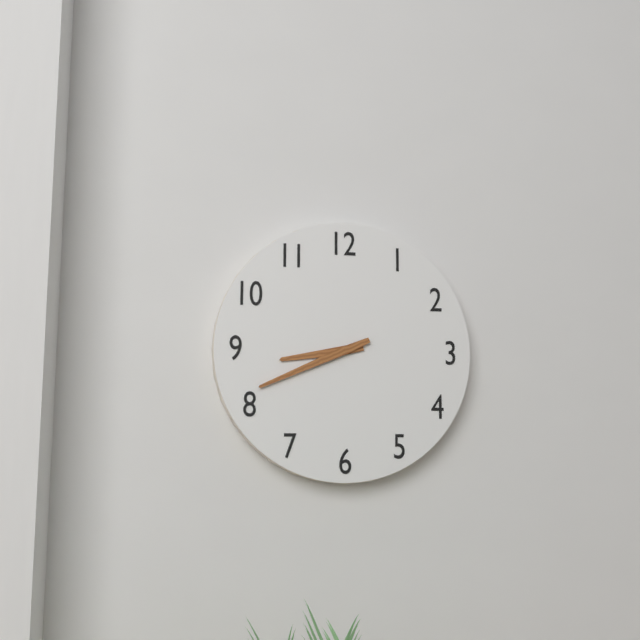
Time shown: 8:41
